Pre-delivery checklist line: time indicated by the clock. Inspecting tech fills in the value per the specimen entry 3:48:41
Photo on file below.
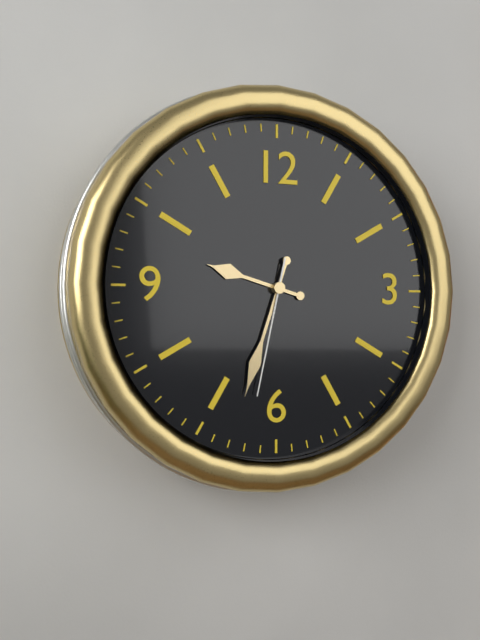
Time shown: 9:33:32
